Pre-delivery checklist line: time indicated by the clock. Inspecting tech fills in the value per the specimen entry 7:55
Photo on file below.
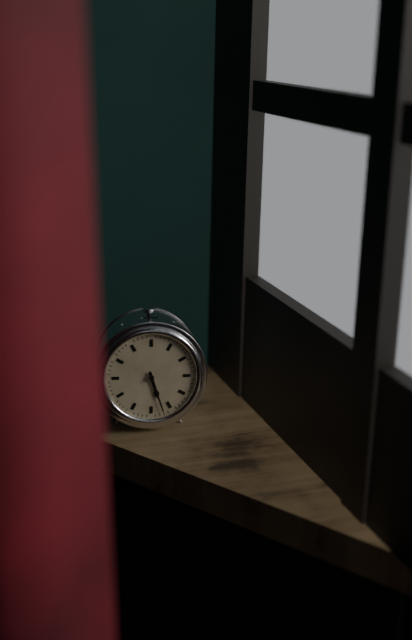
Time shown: 5:27
